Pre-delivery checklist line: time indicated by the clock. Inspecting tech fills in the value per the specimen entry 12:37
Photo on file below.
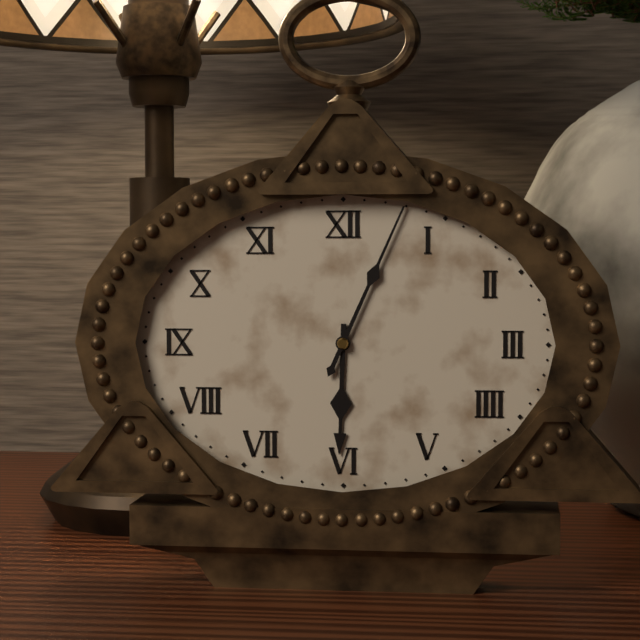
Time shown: 6:04
